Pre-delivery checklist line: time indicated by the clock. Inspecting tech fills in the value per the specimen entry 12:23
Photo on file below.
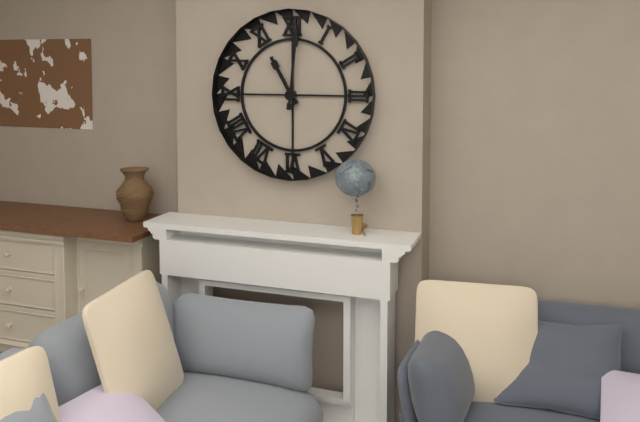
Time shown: 11:01
